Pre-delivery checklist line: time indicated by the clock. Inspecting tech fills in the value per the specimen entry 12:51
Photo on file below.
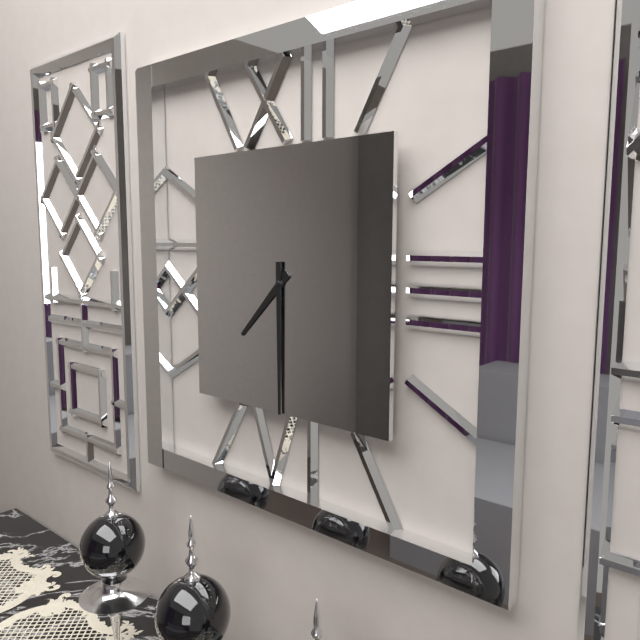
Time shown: 7:30
